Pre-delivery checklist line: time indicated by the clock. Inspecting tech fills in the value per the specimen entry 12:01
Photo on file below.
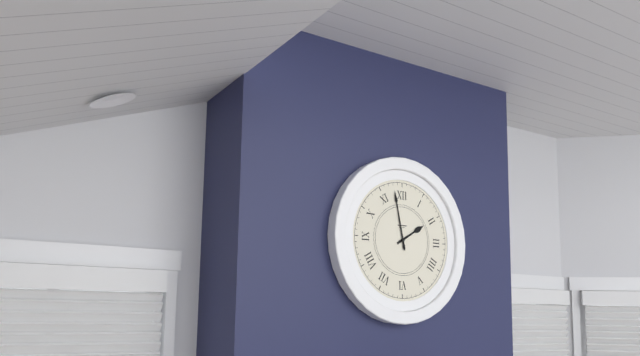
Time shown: 1:58
